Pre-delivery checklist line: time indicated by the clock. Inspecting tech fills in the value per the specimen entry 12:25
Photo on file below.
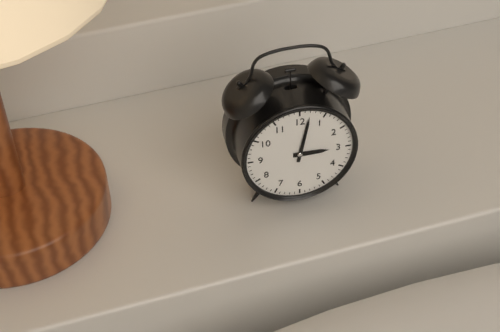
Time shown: 3:02
